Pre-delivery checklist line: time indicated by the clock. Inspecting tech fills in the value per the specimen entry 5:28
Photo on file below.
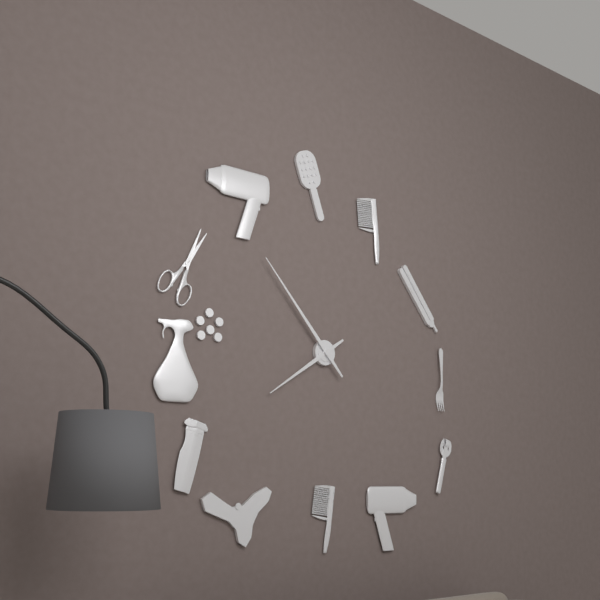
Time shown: 7:53
